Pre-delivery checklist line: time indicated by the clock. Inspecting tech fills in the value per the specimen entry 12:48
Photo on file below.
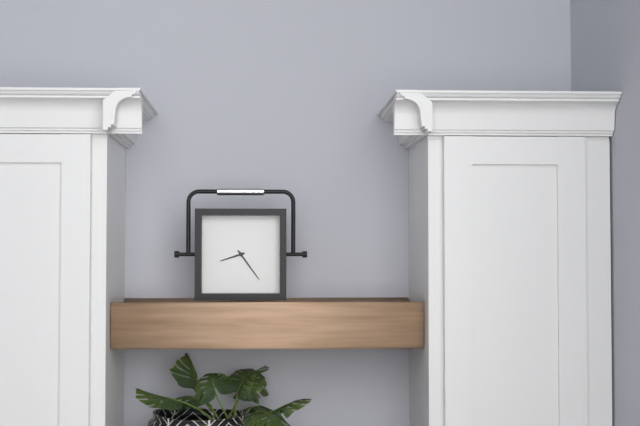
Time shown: 8:24
